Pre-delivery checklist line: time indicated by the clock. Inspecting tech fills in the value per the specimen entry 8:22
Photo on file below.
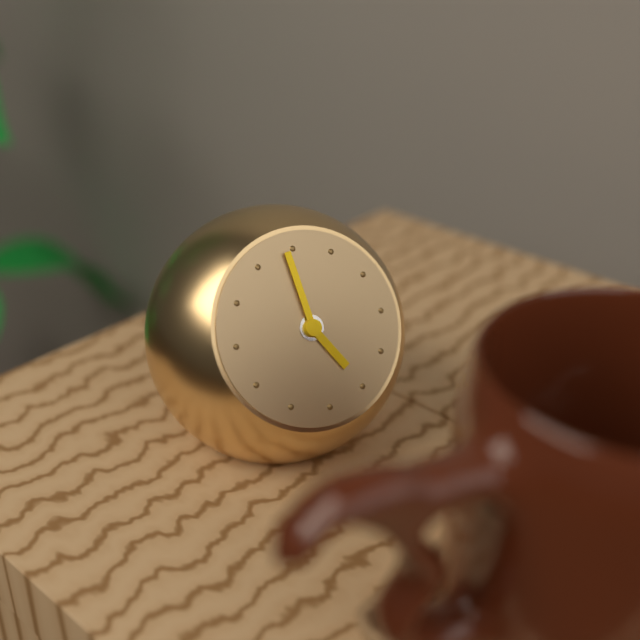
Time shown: 4:59
